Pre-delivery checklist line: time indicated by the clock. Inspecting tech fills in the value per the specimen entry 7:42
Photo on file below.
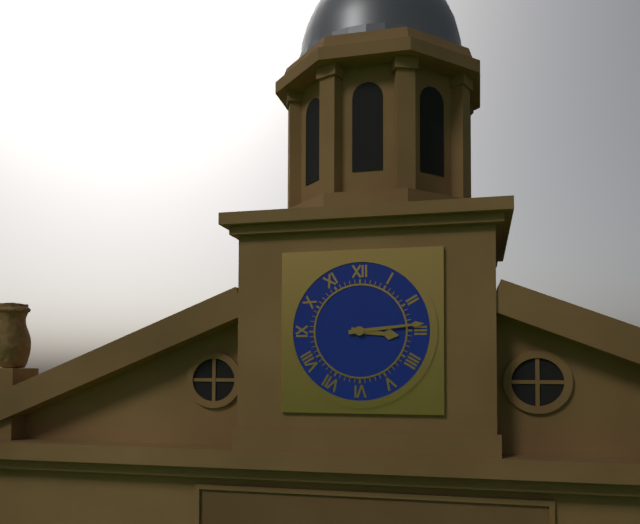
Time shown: 3:14
